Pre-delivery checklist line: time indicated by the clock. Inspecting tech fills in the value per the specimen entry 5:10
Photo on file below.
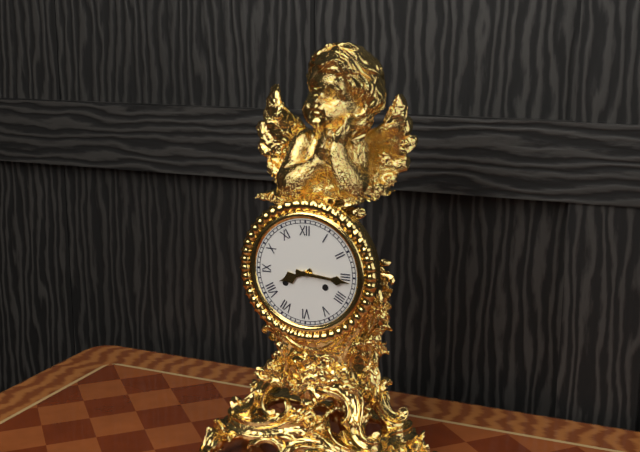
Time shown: 8:16
